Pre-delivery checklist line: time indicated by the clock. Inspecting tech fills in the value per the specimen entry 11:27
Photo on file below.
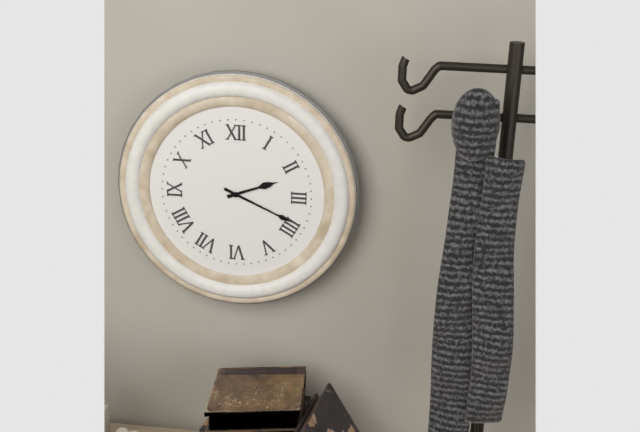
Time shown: 2:19
